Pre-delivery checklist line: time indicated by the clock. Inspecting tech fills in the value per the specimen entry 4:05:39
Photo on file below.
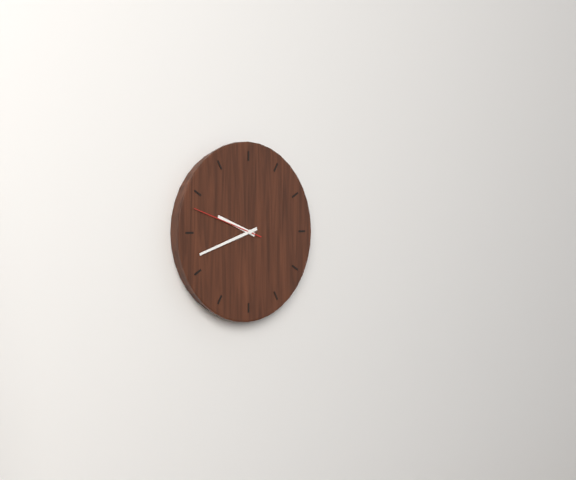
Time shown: 9:42:48
